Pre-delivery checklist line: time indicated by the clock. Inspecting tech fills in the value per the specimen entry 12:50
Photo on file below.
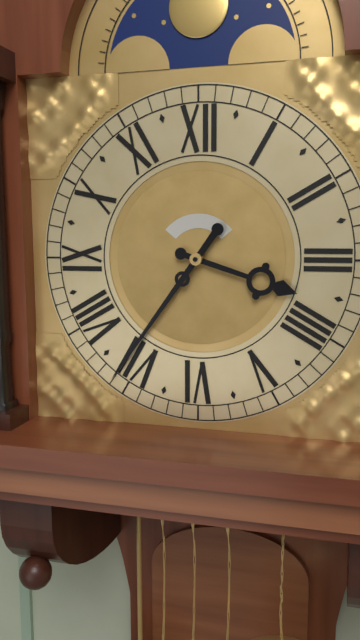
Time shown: 3:36
